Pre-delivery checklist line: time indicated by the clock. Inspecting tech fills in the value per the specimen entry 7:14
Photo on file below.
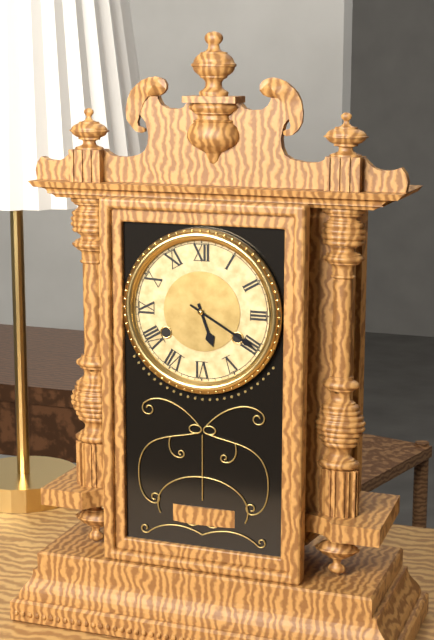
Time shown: 5:20
